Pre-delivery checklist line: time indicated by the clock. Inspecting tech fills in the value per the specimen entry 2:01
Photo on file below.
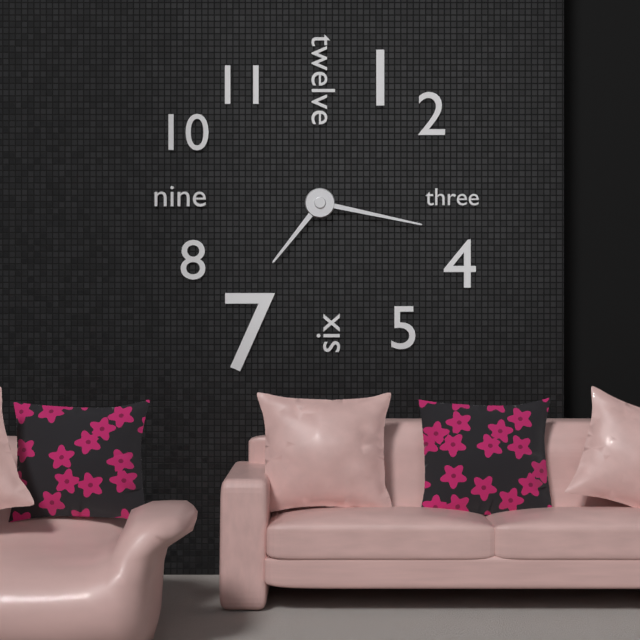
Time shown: 7:17
